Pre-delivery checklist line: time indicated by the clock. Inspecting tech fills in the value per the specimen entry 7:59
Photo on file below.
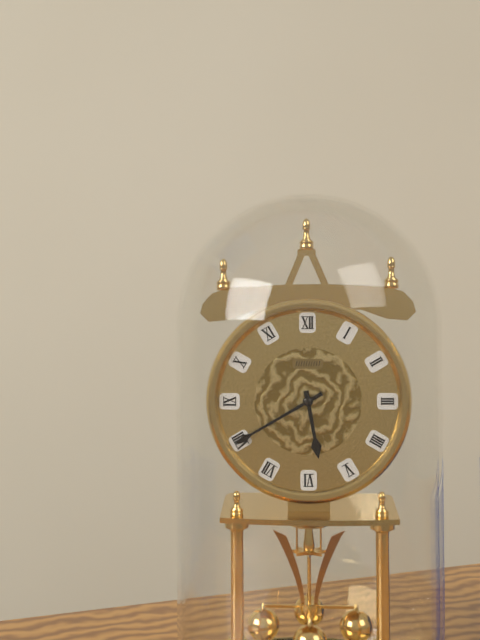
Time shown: 5:40
